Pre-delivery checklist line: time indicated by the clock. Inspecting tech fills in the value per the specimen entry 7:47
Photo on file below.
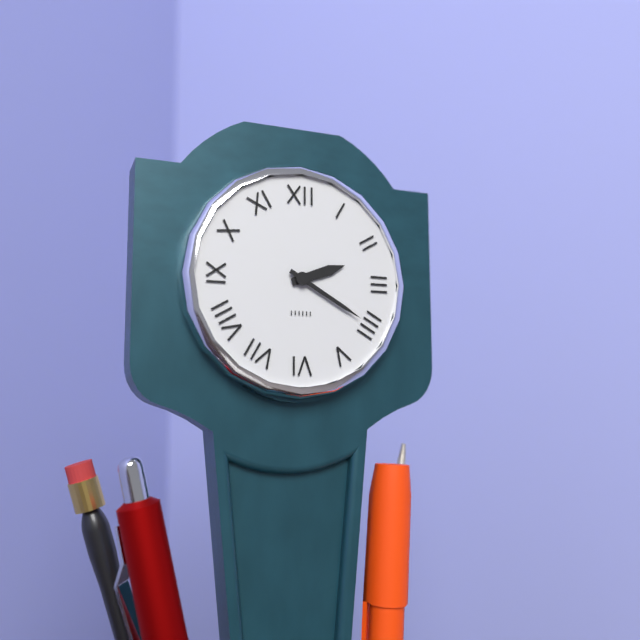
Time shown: 2:20
